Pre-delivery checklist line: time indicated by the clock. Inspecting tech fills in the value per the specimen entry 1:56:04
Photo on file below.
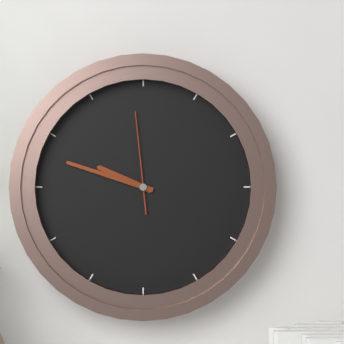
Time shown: 9:48:59
